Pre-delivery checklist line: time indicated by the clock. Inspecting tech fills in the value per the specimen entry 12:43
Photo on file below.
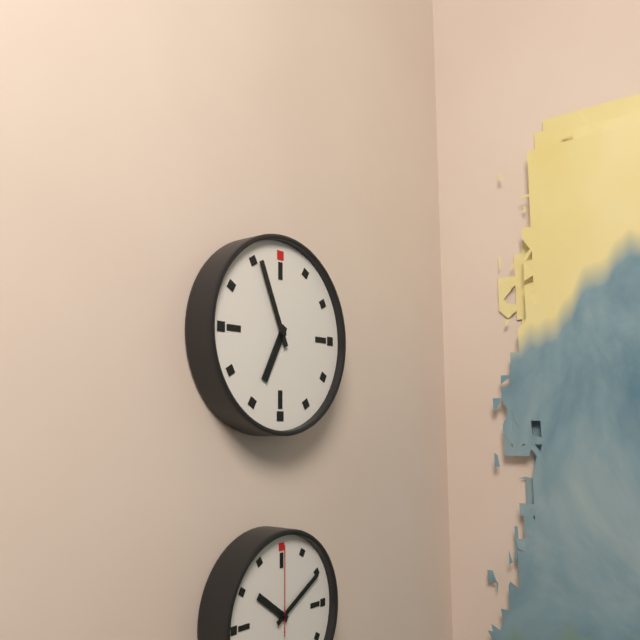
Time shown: 6:56
